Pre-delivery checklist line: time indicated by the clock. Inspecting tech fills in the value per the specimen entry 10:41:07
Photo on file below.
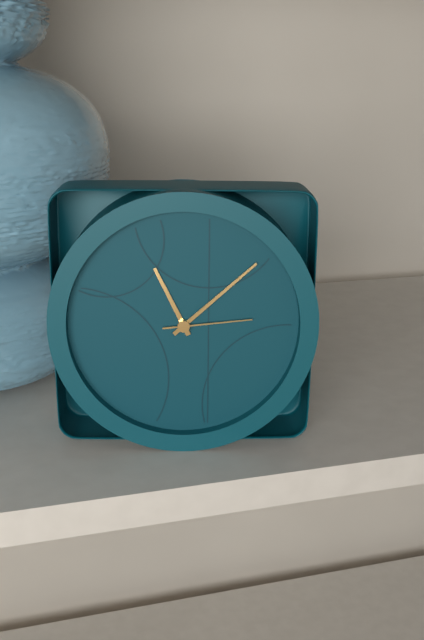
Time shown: 11:08:14
